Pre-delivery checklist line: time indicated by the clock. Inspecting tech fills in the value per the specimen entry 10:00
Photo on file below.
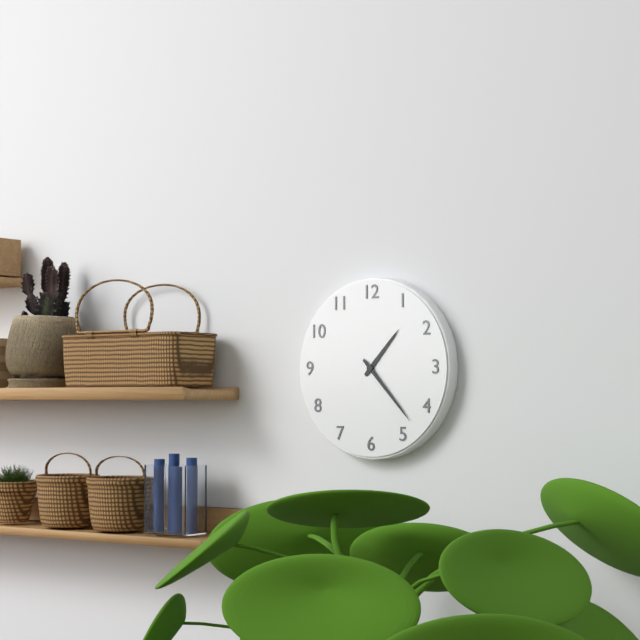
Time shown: 1:23
